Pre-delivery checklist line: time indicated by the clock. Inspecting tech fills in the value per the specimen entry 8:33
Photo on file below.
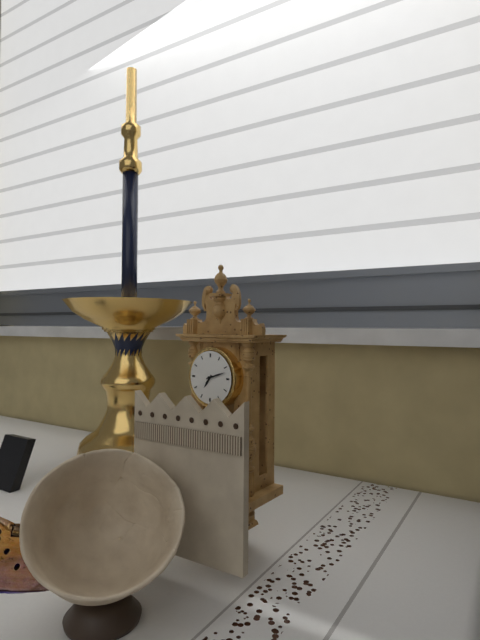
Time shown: 7:12
